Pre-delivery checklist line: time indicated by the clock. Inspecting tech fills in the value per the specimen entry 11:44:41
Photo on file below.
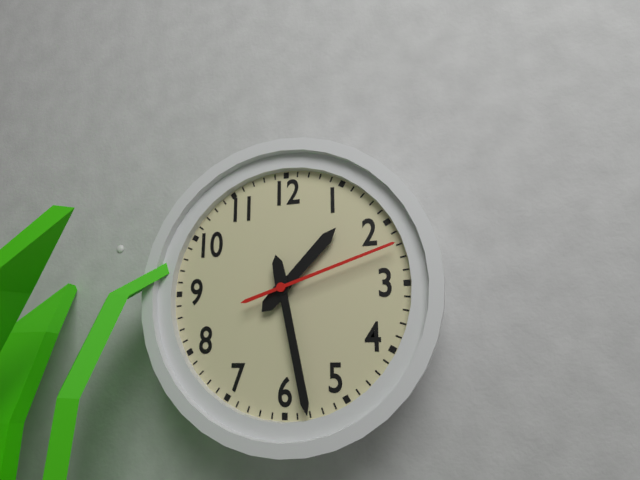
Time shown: 1:28:12
